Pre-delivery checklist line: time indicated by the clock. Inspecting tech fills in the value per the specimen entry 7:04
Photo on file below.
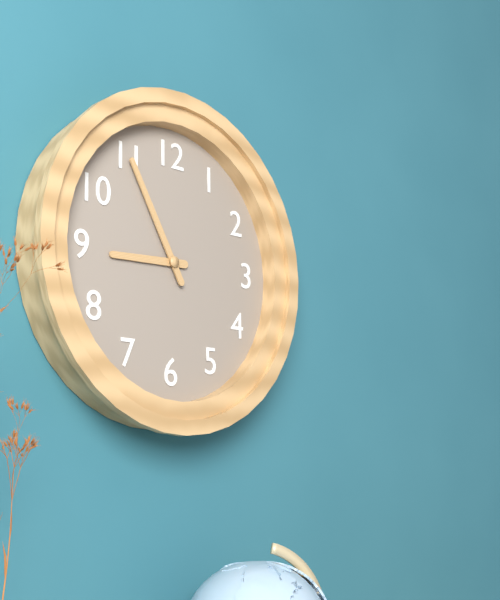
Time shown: 8:55
